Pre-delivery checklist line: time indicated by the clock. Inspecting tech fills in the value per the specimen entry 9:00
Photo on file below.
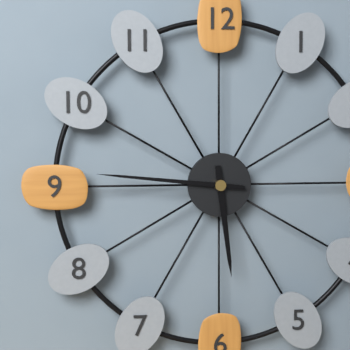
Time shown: 5:46
